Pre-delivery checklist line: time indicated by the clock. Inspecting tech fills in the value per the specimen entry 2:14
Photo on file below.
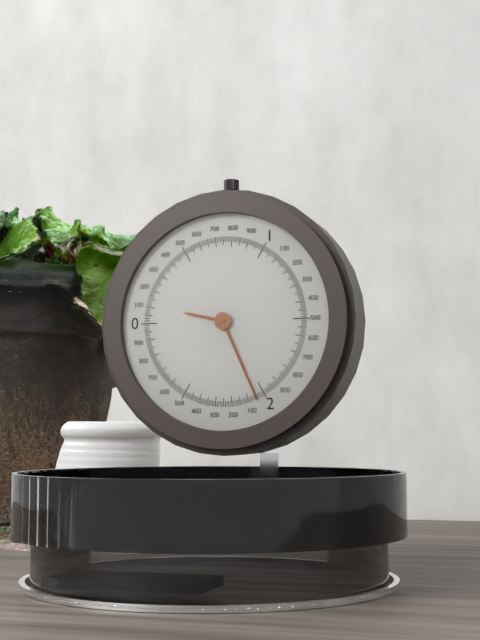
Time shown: 9:26
